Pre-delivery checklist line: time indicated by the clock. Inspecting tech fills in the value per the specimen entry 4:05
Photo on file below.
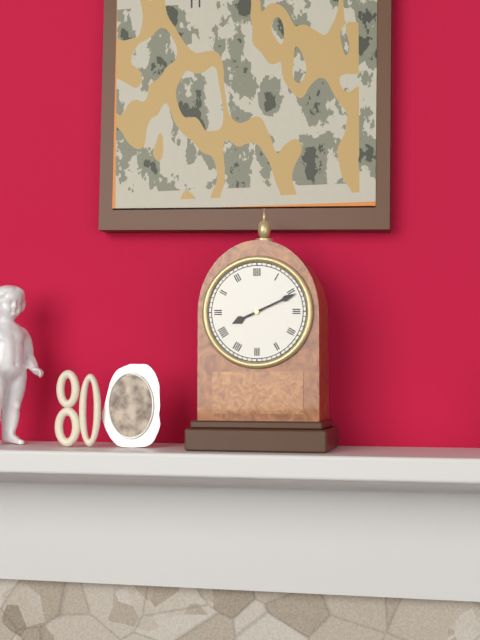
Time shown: 8:11
